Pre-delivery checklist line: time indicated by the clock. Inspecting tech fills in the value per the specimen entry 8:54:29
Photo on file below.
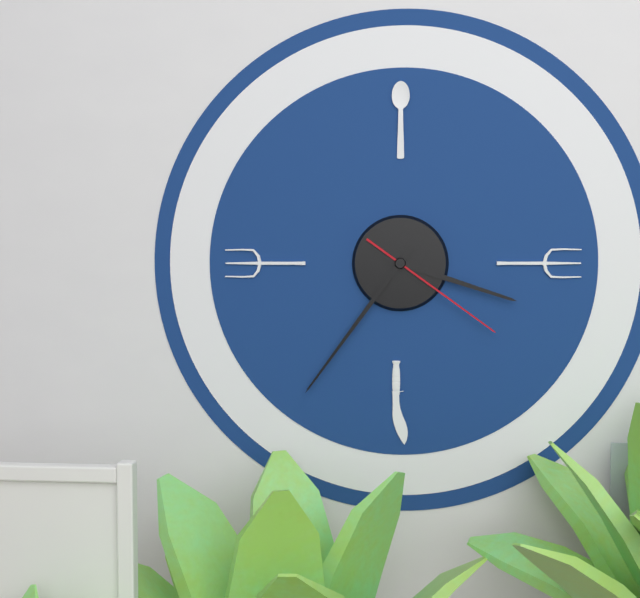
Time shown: 3:36:21
